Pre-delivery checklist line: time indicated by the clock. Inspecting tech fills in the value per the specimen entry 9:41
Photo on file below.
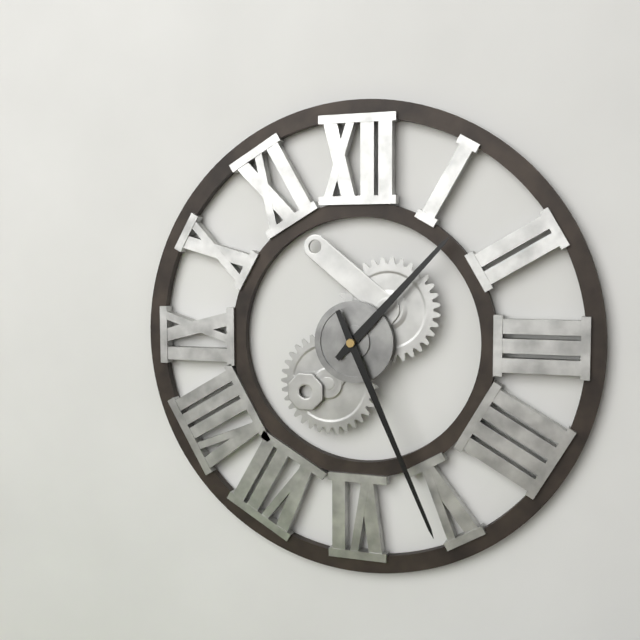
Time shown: 1:26
